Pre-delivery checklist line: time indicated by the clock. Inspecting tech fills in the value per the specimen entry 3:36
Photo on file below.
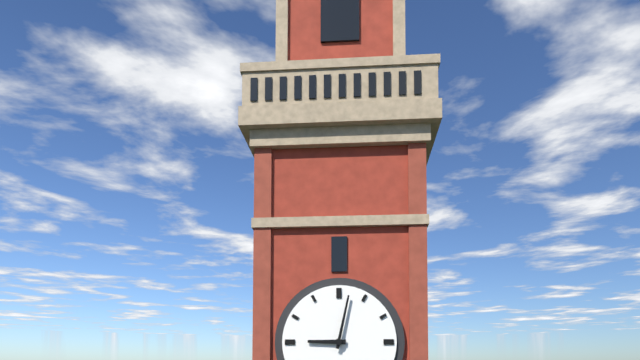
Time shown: 9:02
